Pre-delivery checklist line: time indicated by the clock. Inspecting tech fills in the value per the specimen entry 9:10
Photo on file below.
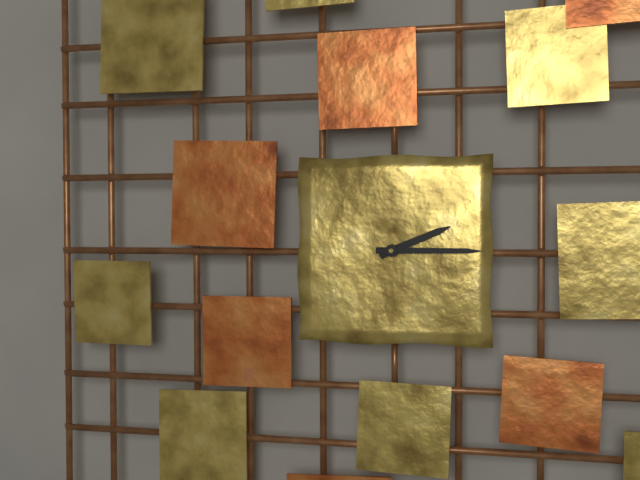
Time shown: 2:15
